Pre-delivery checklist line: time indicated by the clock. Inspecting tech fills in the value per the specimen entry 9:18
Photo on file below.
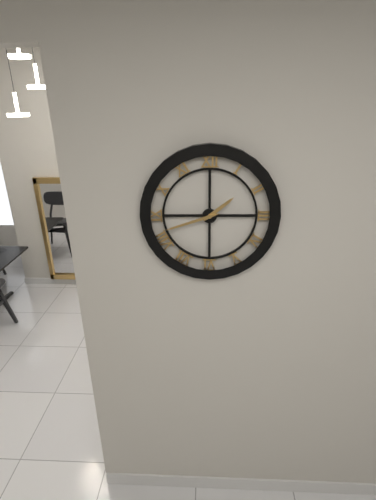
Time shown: 1:42
